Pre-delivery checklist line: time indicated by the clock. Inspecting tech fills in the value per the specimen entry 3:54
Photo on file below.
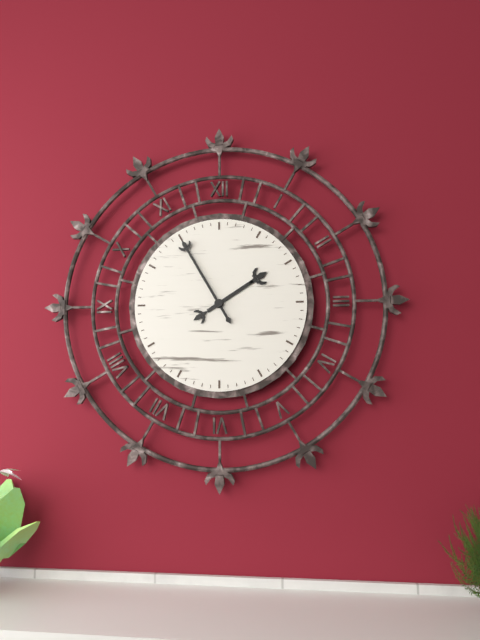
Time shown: 1:55
